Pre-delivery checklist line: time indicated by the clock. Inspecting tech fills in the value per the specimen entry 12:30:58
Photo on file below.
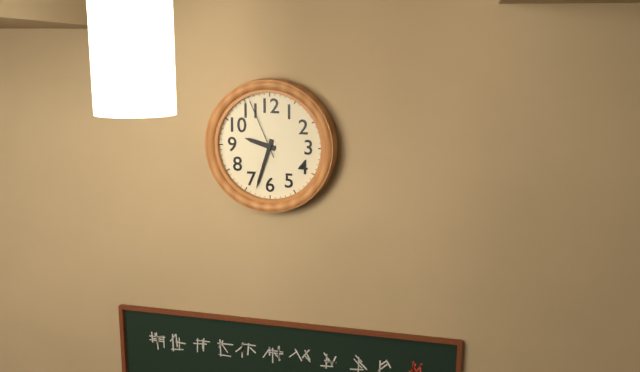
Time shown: 9:33:56
